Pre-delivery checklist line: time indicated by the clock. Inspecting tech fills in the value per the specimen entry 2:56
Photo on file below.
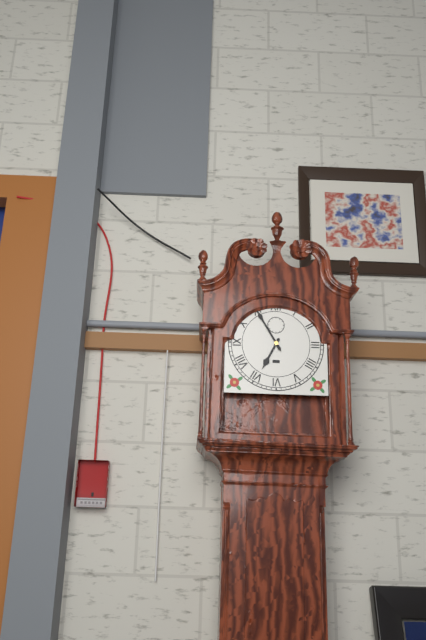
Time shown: 6:55
